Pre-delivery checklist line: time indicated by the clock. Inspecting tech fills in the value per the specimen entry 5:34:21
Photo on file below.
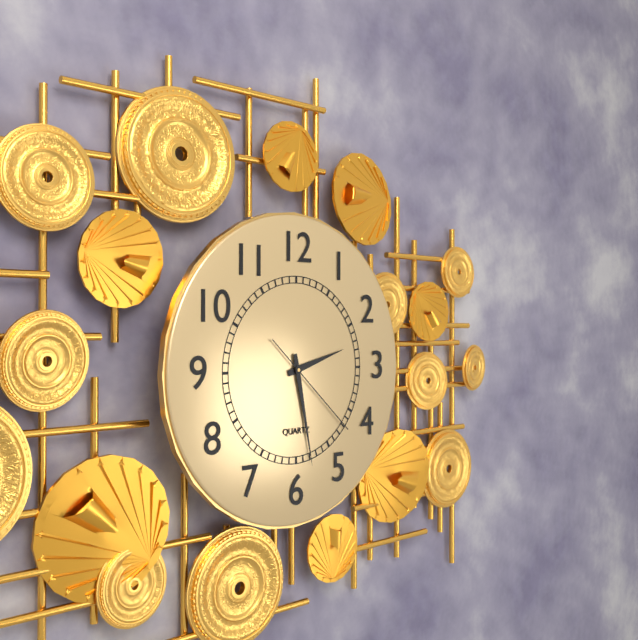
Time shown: 2:28:22
